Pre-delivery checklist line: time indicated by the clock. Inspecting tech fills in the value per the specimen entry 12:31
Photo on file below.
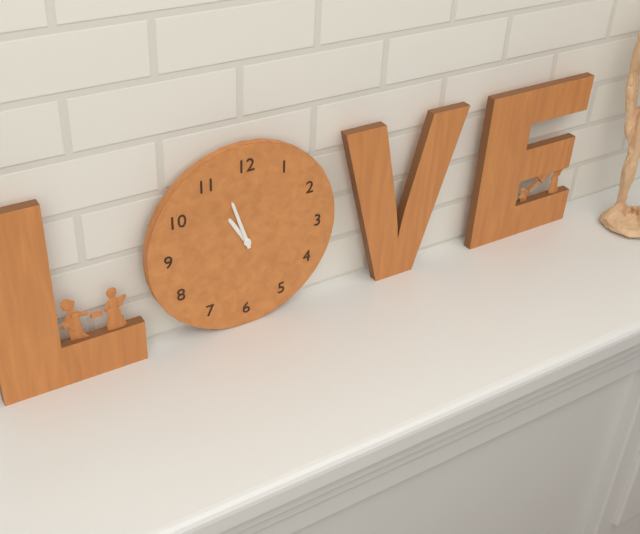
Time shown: 10:57
